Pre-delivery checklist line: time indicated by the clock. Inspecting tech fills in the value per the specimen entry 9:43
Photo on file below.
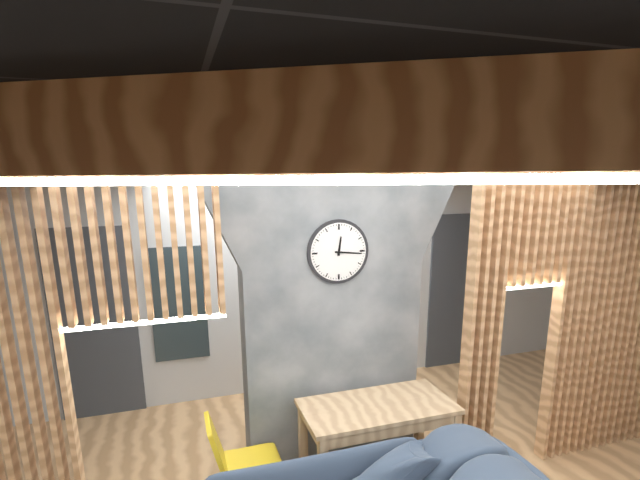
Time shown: 12:16
